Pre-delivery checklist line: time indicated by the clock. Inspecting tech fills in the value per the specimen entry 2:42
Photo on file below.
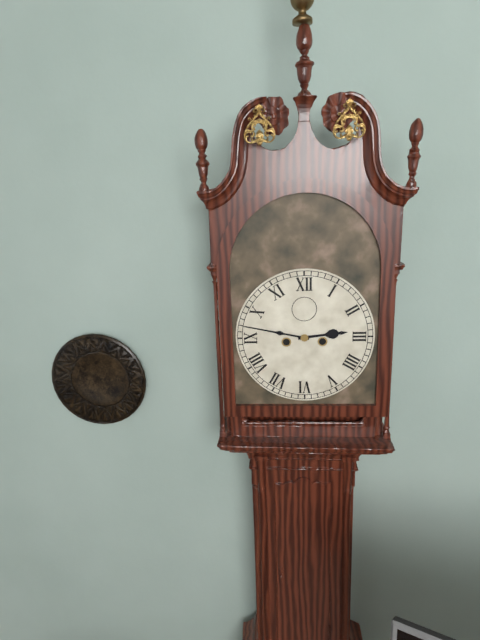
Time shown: 2:47
